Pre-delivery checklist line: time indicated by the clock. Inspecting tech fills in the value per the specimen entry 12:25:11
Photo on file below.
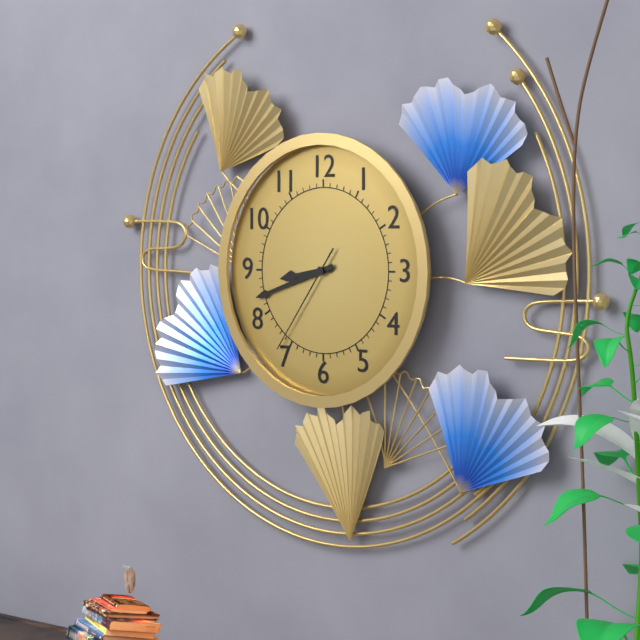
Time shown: 8:42:36
